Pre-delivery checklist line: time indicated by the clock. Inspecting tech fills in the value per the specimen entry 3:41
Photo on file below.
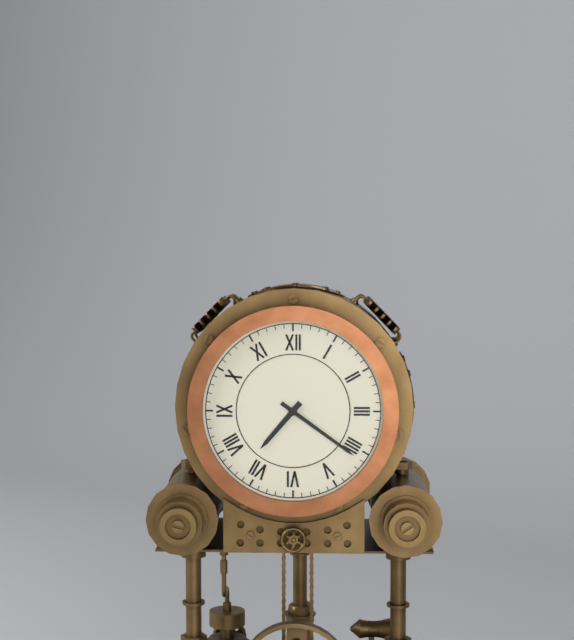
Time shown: 7:21
